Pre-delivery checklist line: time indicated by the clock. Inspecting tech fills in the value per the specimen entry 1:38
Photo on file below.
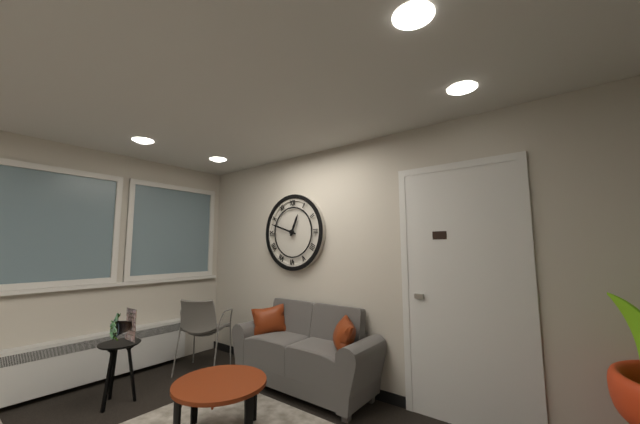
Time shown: 12:48
